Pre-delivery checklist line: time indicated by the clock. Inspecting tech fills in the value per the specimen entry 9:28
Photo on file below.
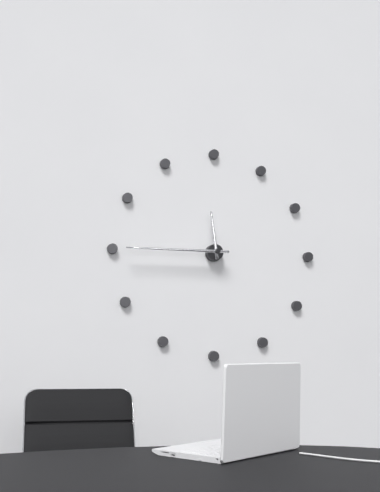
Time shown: 11:45
